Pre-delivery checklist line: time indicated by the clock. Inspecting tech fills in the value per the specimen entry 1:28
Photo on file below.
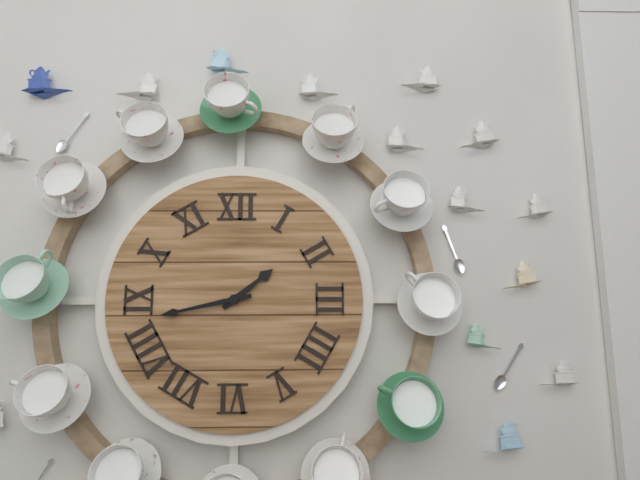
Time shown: 1:43
